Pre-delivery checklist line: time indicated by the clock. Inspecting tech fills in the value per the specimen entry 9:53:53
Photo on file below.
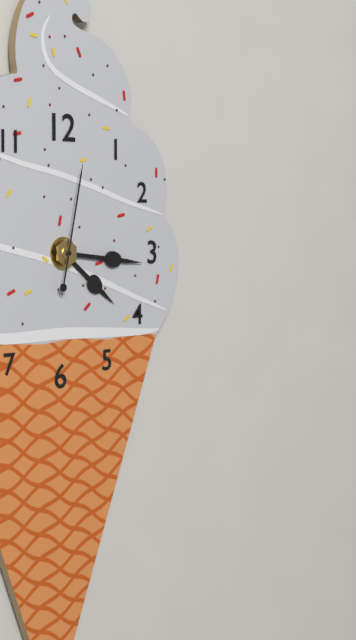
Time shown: 4:16:02
